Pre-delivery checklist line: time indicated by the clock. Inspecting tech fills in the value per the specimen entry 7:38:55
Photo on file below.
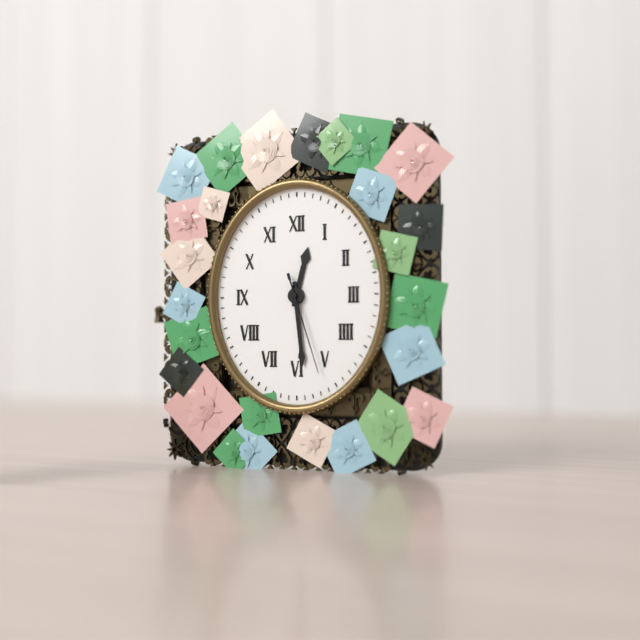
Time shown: 12:29:27
